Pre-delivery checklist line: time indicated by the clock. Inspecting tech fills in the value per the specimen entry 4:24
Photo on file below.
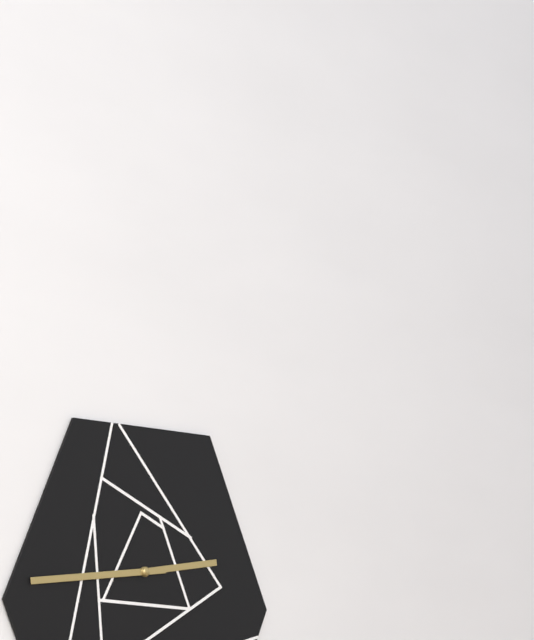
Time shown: 2:44
